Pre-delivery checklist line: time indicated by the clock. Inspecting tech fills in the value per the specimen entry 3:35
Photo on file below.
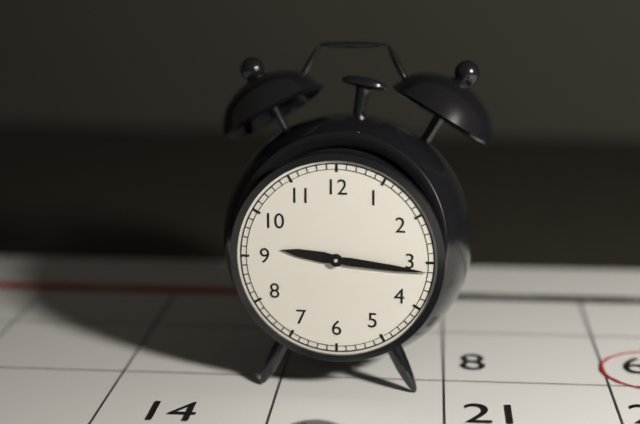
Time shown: 9:16
